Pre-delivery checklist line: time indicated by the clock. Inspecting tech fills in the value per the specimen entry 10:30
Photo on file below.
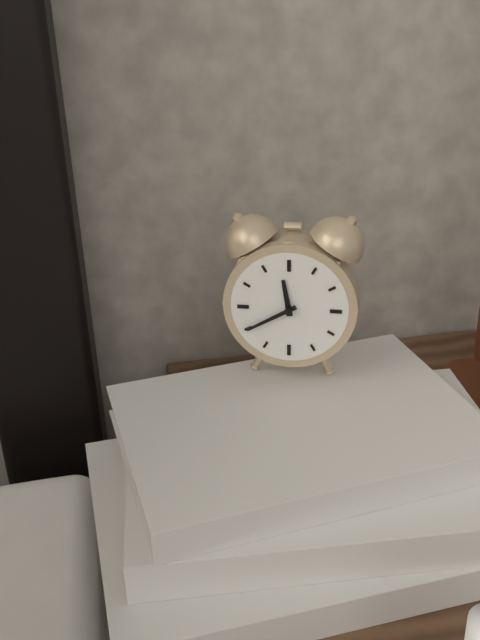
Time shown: 11:40
